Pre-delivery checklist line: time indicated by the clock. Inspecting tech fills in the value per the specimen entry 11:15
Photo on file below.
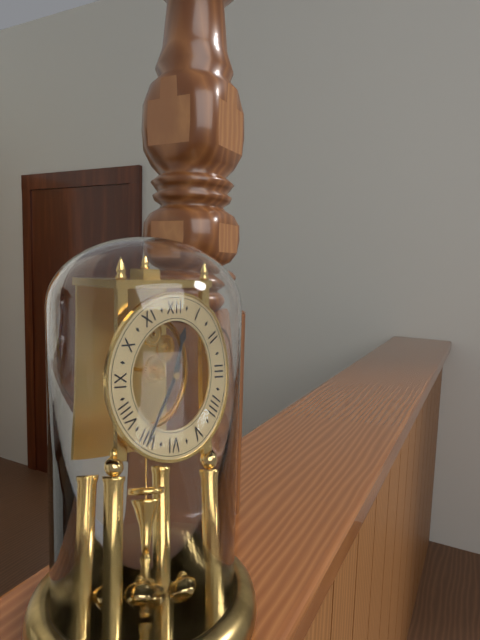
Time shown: 12:35
